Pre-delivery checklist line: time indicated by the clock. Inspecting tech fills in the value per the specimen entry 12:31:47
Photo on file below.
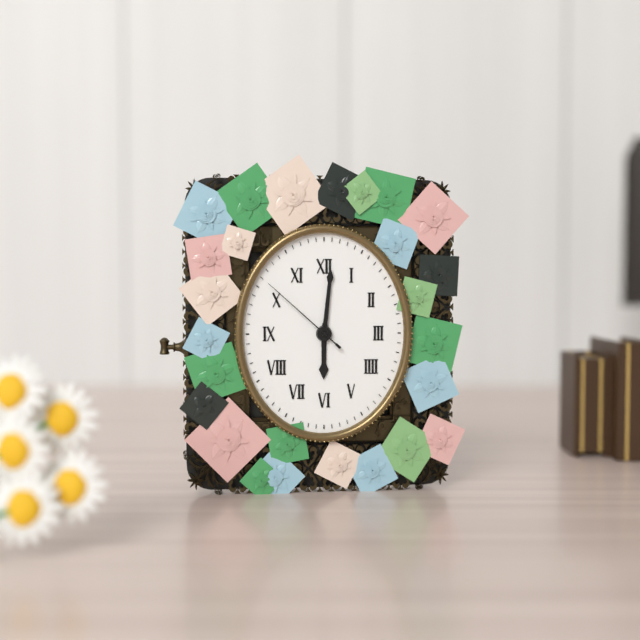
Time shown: 6:01:52
